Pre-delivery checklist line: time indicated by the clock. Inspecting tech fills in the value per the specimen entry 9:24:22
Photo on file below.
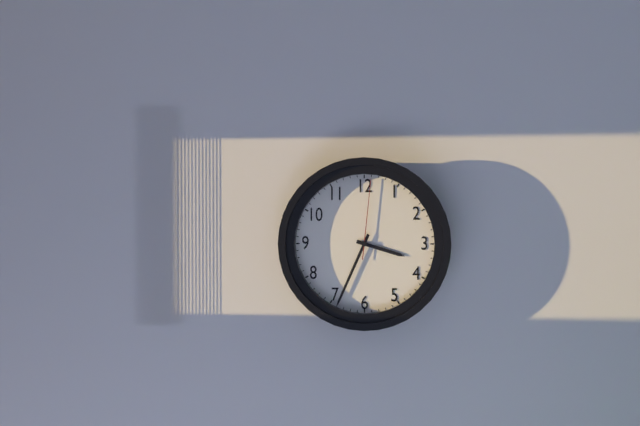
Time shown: 3:34:01
